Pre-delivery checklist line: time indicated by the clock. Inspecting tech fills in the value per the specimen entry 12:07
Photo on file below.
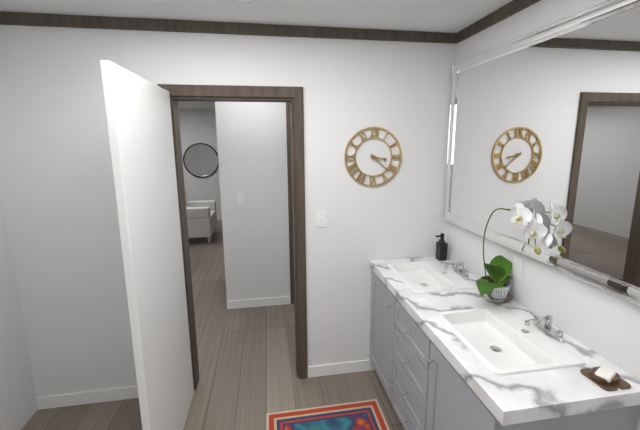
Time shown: 3:22
